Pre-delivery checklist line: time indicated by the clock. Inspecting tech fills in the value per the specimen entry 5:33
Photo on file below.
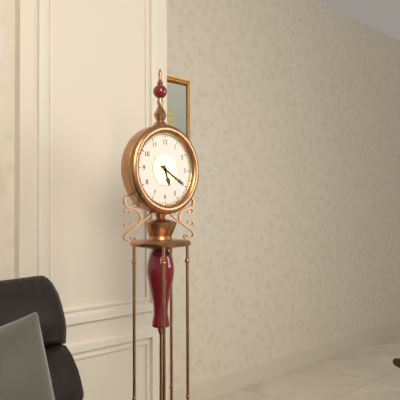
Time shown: 5:20
